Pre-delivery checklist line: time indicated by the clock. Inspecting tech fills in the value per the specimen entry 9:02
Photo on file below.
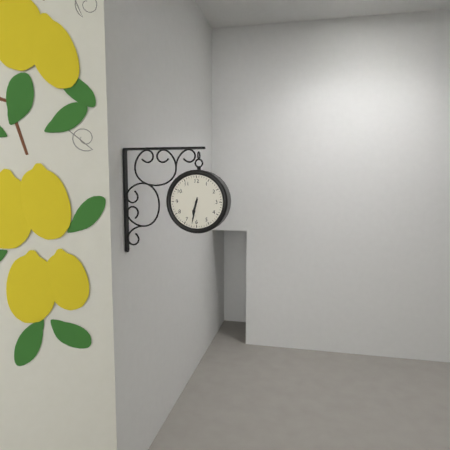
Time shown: 6:32
